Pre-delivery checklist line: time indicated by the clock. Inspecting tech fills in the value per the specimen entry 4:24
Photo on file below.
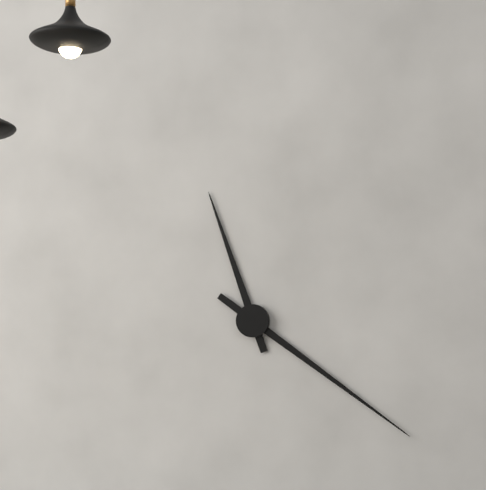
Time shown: 11:21
